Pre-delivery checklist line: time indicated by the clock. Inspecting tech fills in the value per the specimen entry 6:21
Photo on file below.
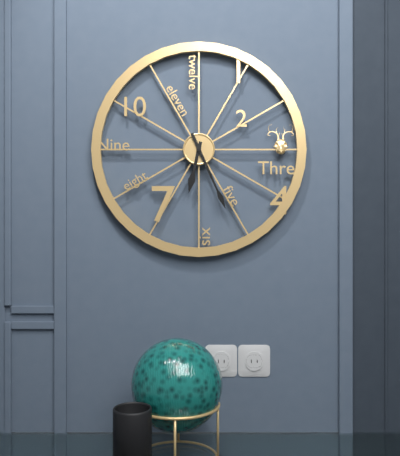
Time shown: 6:26
